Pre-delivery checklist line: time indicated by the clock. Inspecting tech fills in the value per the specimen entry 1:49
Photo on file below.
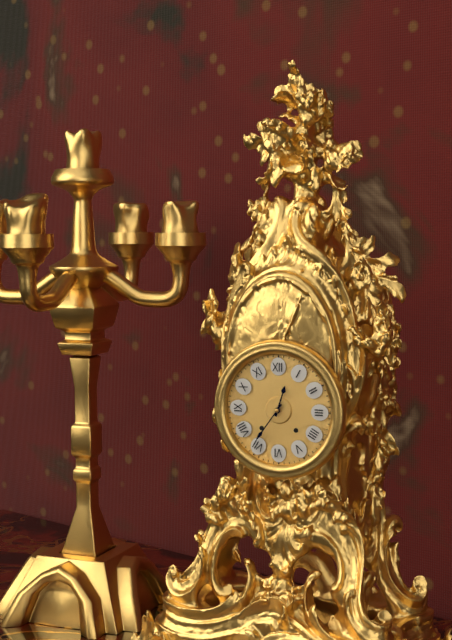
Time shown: 12:36
